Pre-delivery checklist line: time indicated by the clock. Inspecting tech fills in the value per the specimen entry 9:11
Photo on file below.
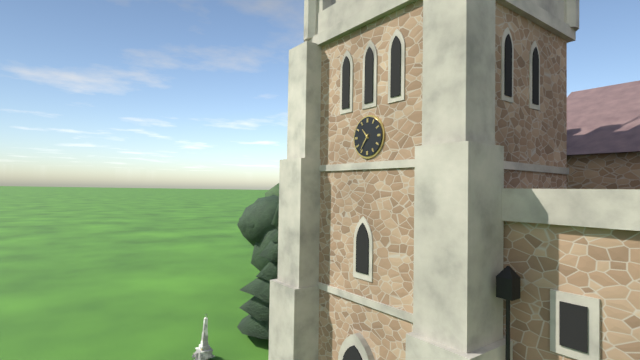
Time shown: 10:36
